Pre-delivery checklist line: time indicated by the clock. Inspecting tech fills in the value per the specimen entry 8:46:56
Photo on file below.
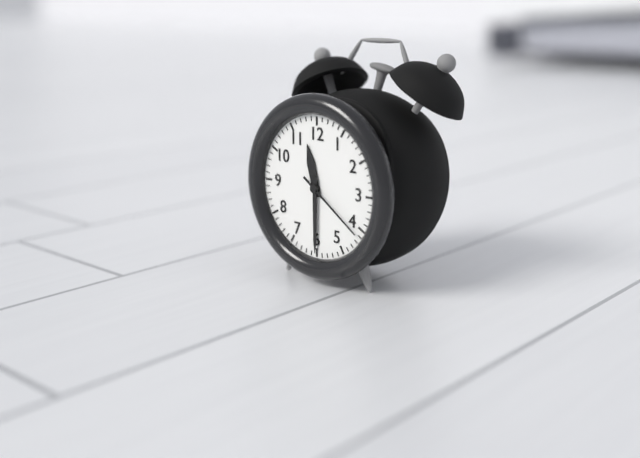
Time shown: 11:30:21
